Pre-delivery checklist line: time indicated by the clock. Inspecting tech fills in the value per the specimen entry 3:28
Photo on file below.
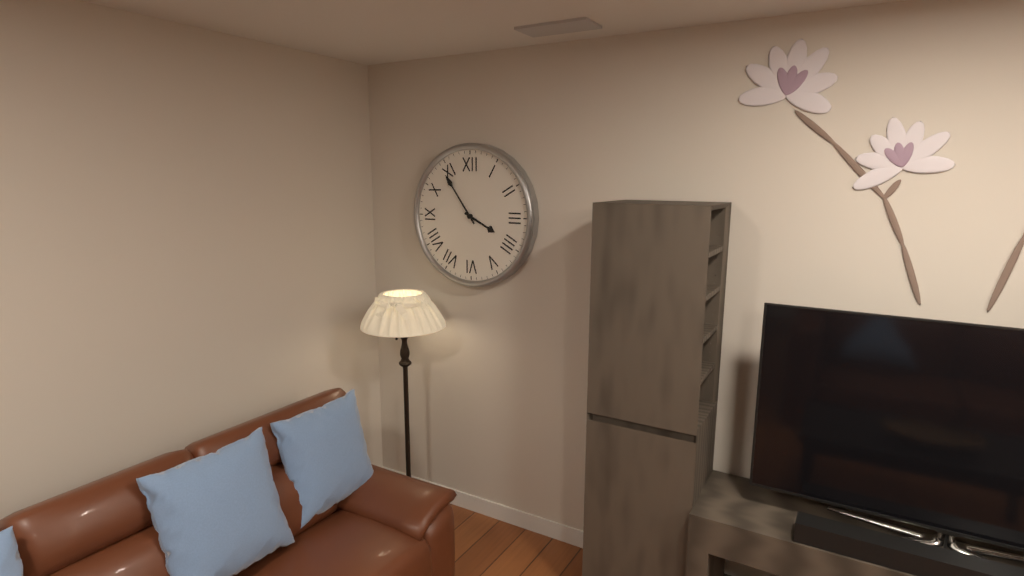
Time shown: 3:54
